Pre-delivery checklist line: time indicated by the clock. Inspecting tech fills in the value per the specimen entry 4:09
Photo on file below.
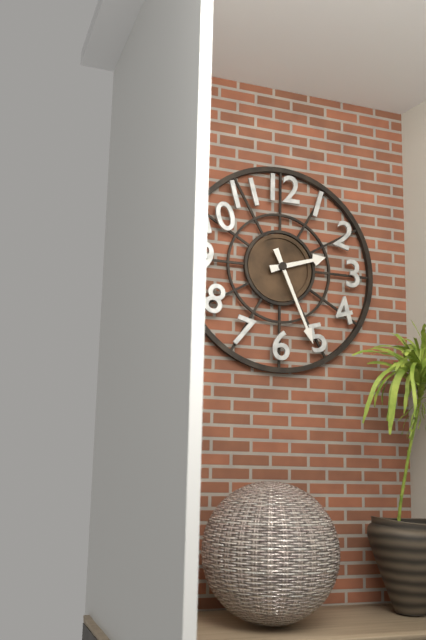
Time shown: 2:26
